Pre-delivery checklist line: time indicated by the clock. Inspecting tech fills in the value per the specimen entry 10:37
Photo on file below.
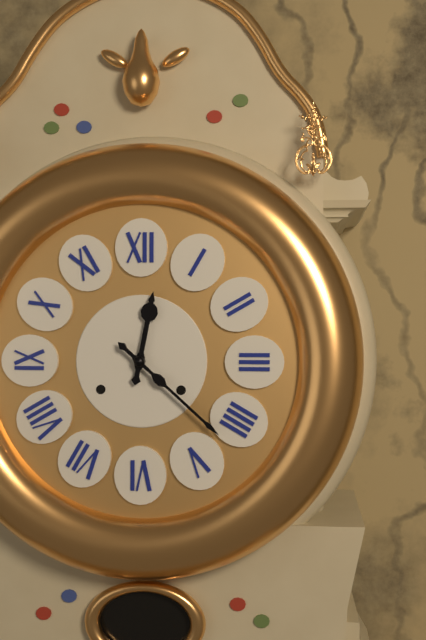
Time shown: 12:22
